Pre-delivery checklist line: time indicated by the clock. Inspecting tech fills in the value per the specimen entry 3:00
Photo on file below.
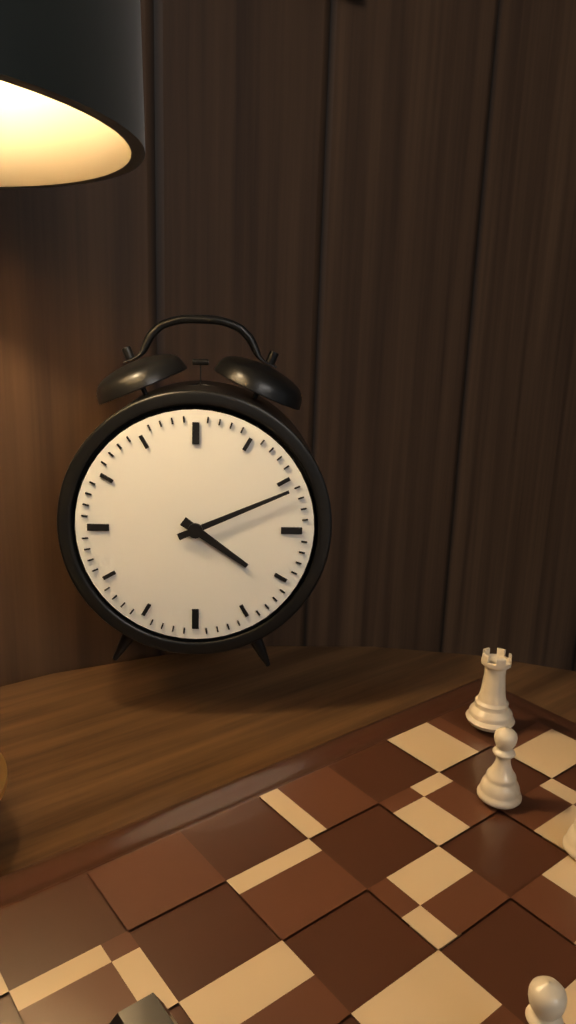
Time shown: 4:11
